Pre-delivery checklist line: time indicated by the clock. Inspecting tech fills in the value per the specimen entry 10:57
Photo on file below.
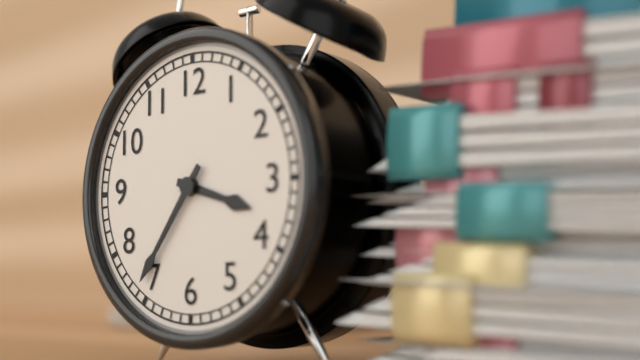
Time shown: 3:36
